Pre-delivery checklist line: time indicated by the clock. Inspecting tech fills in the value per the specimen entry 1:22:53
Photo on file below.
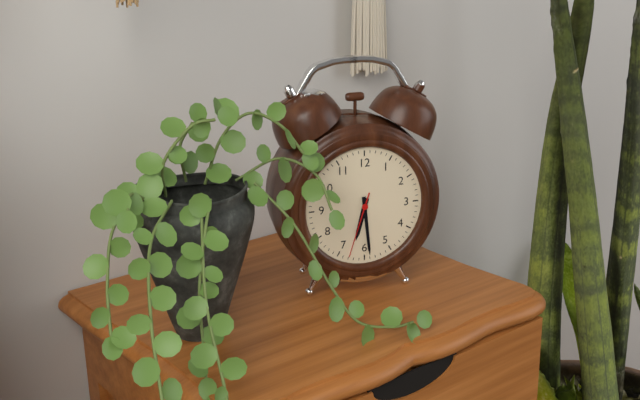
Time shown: 6:29:33
